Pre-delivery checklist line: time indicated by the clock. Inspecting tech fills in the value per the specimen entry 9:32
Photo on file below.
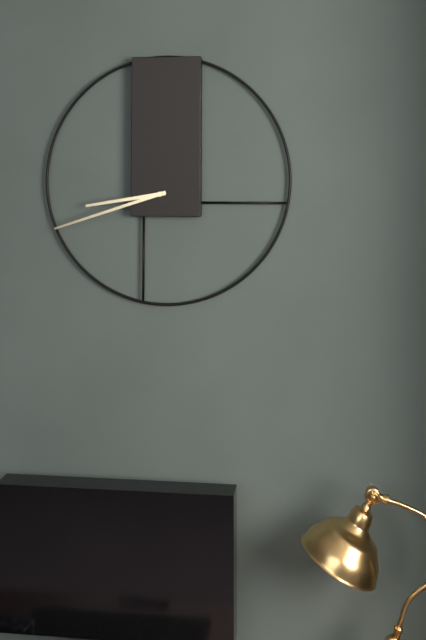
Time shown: 8:42
